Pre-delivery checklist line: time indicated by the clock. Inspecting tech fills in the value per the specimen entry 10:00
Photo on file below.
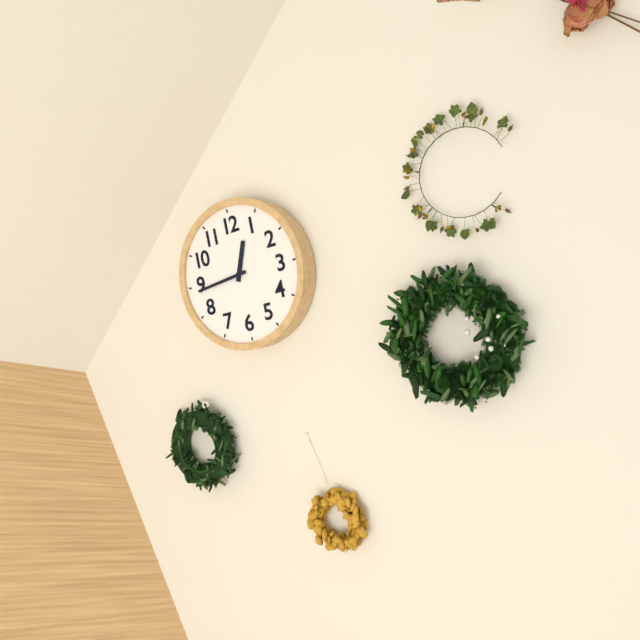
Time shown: 12:44
